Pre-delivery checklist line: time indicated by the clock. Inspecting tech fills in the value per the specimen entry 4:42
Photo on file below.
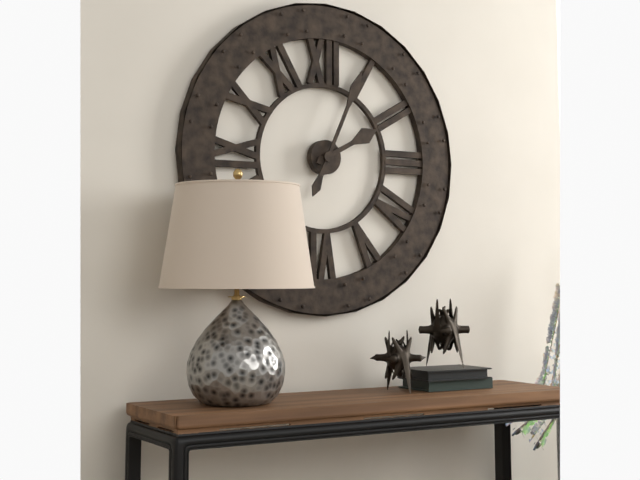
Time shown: 2:04
